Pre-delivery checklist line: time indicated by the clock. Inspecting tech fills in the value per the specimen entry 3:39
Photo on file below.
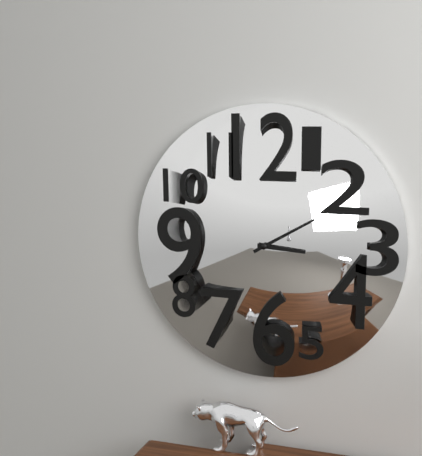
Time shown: 3:10
